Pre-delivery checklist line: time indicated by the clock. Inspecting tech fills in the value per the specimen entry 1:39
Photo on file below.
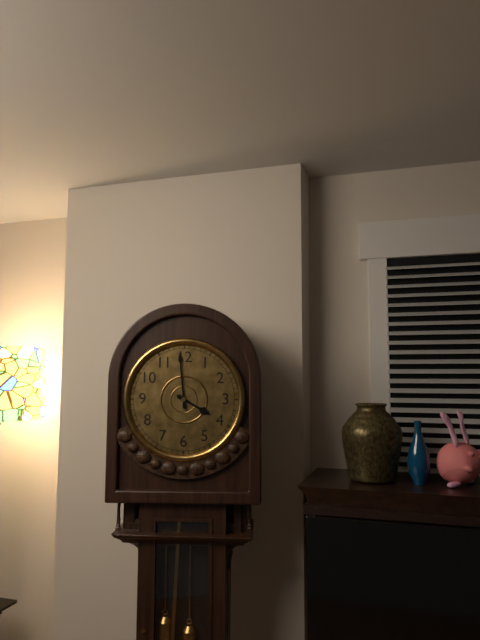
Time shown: 3:59
